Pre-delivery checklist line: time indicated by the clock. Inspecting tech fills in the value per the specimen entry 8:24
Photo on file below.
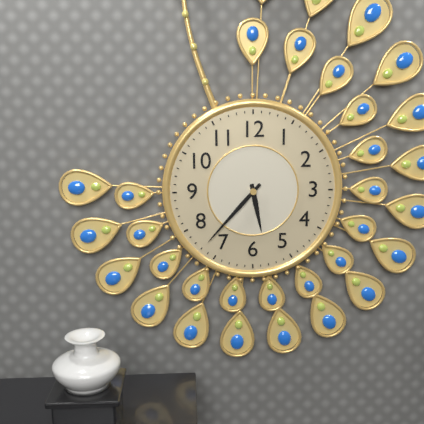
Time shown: 5:37
